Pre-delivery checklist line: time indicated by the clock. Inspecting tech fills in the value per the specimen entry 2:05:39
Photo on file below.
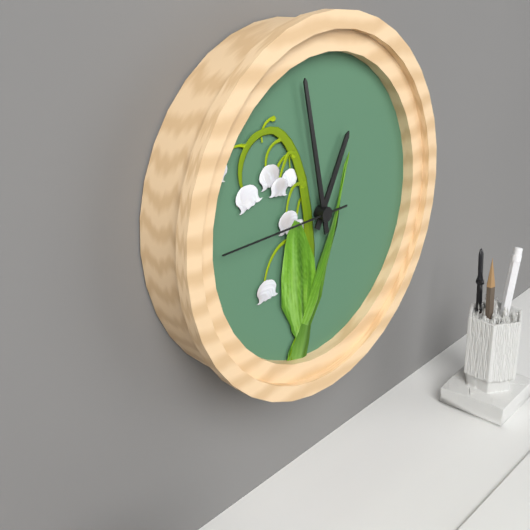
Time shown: 12:58:45
